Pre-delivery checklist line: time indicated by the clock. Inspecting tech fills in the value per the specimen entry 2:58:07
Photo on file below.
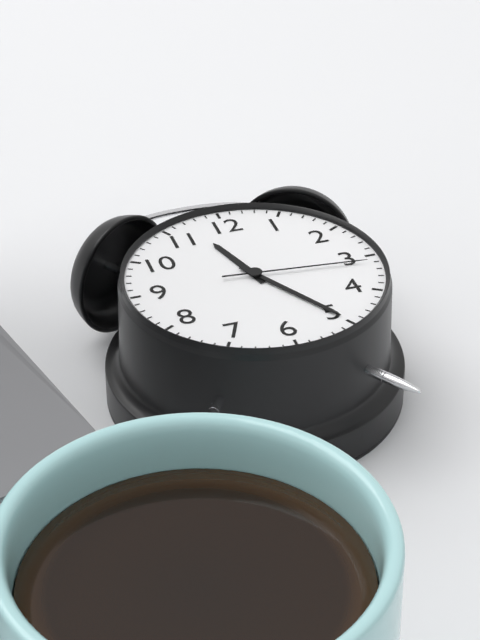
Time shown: 11:25:16
